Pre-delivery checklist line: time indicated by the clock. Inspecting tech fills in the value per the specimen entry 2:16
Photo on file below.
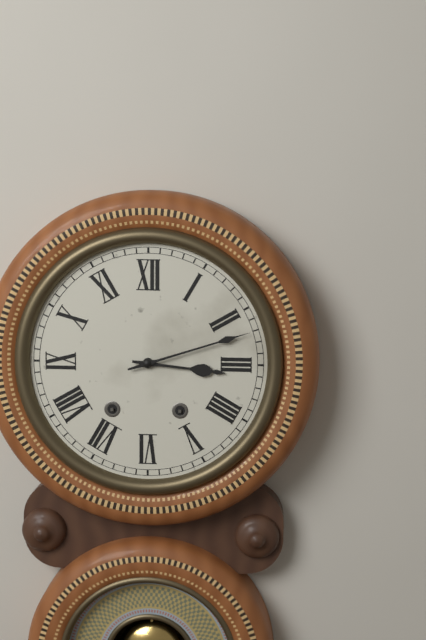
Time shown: 3:12
